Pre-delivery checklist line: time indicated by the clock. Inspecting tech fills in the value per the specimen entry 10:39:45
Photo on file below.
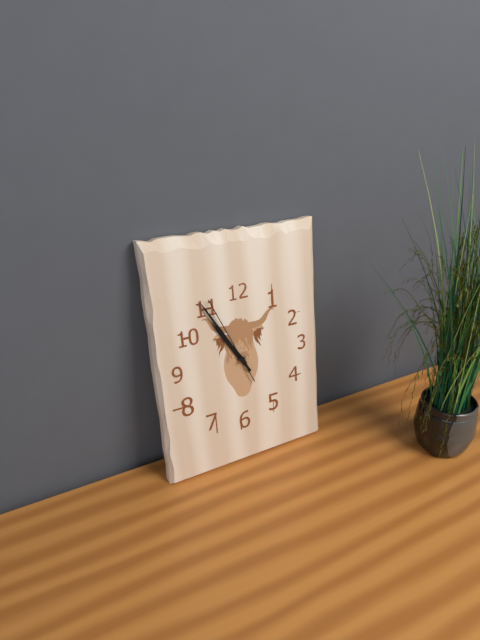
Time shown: 10:55:56
